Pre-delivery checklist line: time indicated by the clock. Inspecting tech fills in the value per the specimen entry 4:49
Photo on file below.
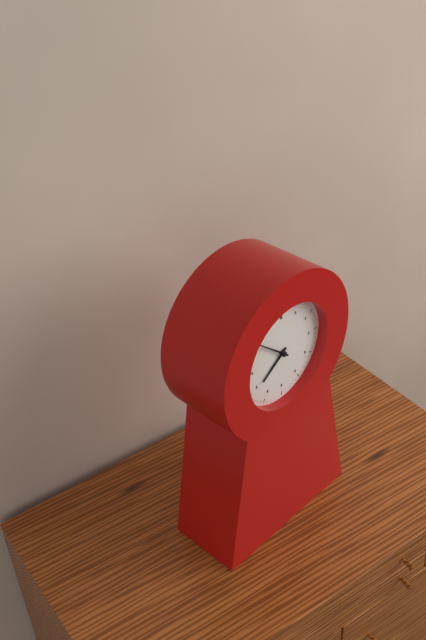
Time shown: 7:52
